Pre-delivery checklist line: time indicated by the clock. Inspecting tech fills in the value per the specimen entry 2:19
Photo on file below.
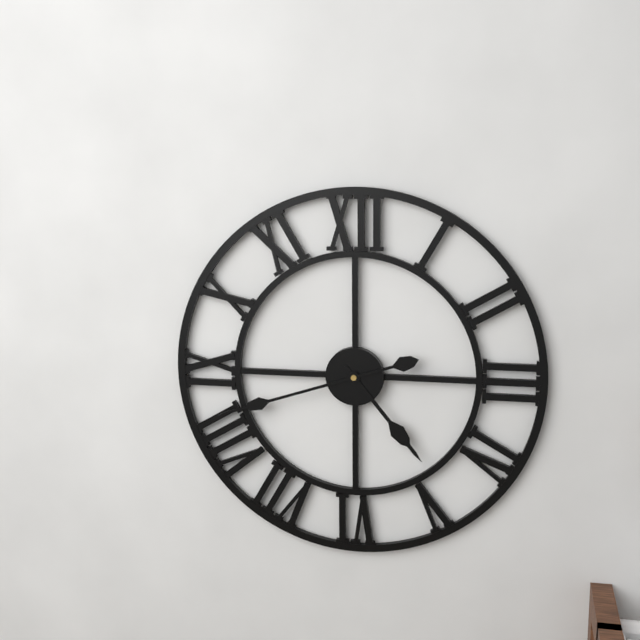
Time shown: 4:42
